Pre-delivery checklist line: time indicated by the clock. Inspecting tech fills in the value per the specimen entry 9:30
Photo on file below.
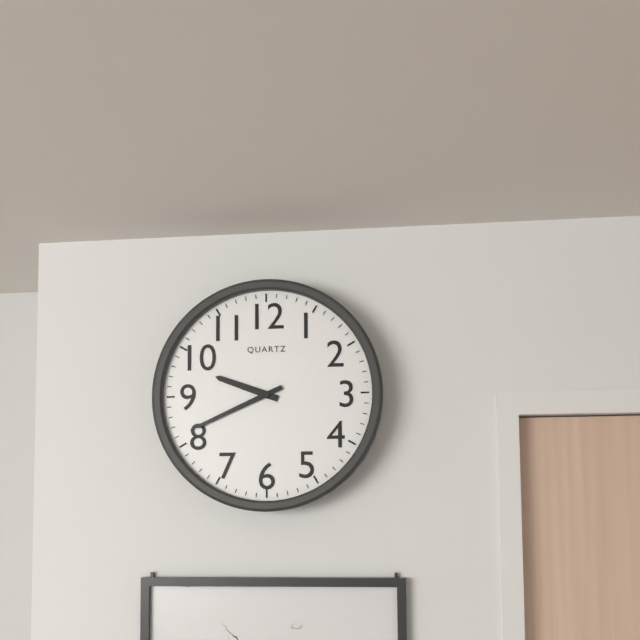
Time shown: 9:41
